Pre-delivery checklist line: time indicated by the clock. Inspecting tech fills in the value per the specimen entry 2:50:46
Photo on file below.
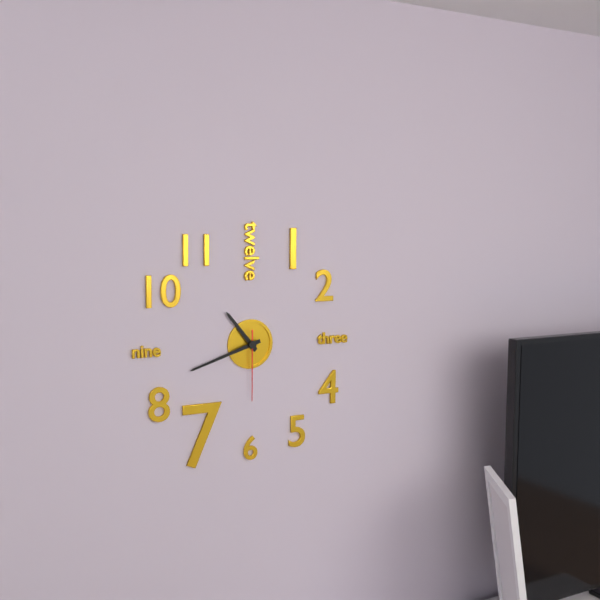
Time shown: 10:42:30
